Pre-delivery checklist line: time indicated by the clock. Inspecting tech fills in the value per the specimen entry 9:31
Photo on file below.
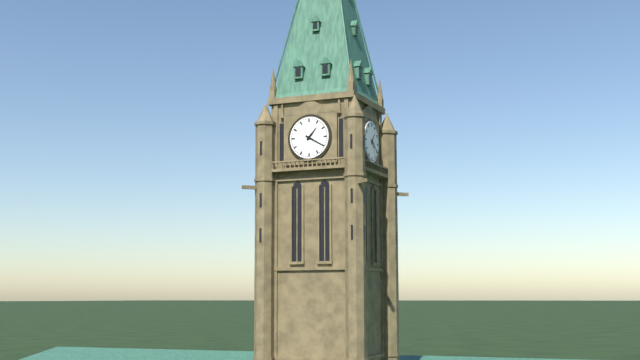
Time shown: 1:20
